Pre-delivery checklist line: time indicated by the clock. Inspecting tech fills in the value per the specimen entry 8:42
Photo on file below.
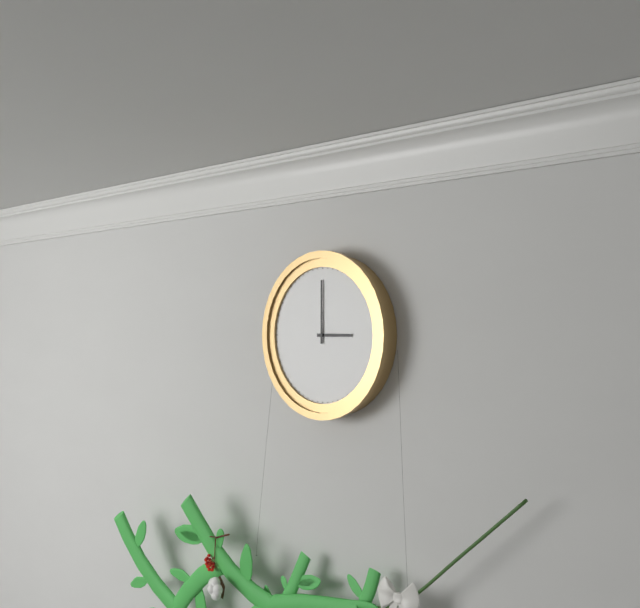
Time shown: 3:00
